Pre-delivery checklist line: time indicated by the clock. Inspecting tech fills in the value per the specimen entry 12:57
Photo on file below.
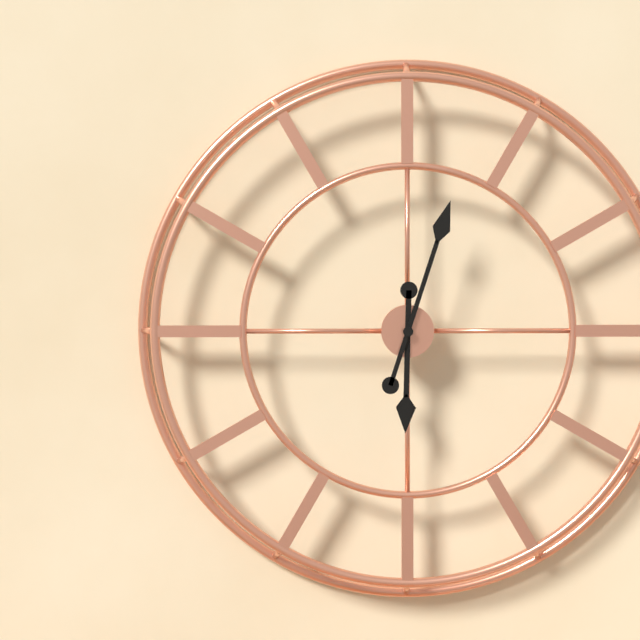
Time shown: 6:03
